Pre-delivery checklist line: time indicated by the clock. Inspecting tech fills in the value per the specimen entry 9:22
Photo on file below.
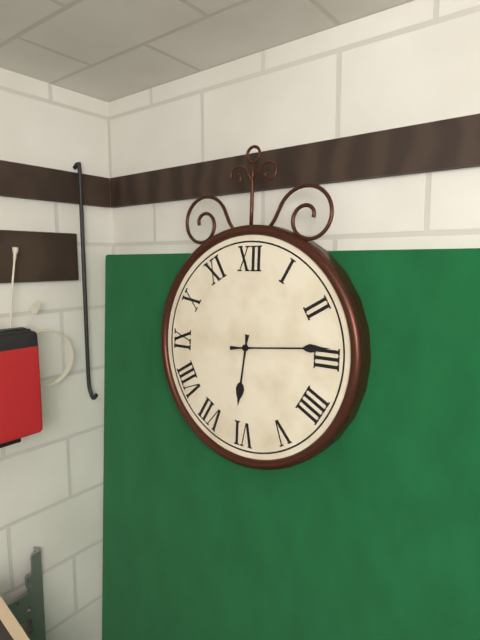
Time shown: 6:14
